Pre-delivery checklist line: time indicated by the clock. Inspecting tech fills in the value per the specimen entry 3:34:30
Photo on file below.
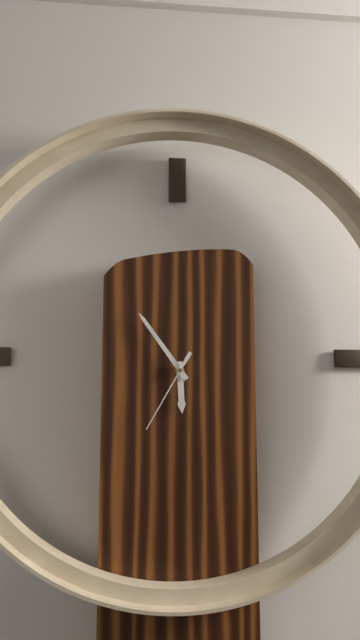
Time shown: 5:54:35
